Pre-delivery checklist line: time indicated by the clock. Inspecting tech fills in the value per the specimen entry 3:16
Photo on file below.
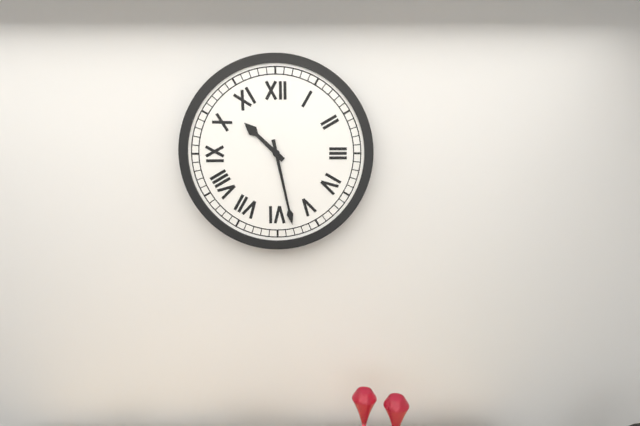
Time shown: 10:28
